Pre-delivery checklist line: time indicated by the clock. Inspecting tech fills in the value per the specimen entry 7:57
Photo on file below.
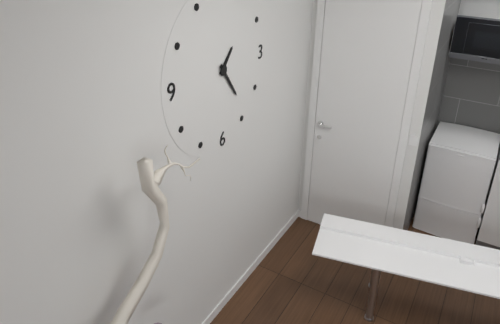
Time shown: 1:24
